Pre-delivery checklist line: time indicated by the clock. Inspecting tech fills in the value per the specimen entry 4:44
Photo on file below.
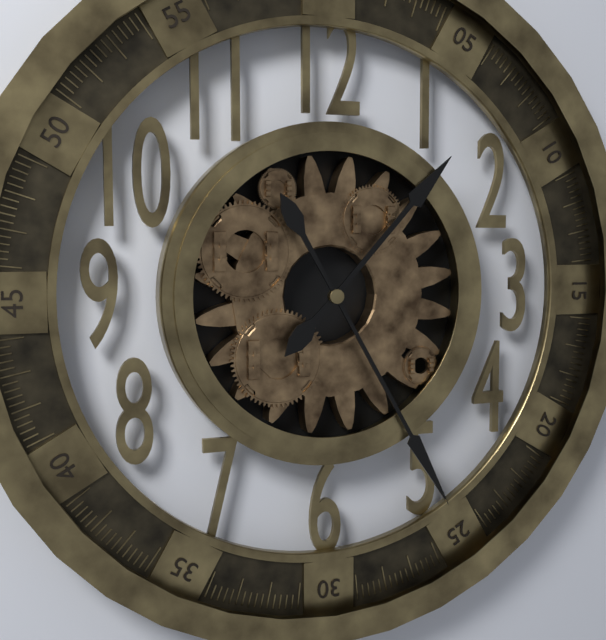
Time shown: 1:25
